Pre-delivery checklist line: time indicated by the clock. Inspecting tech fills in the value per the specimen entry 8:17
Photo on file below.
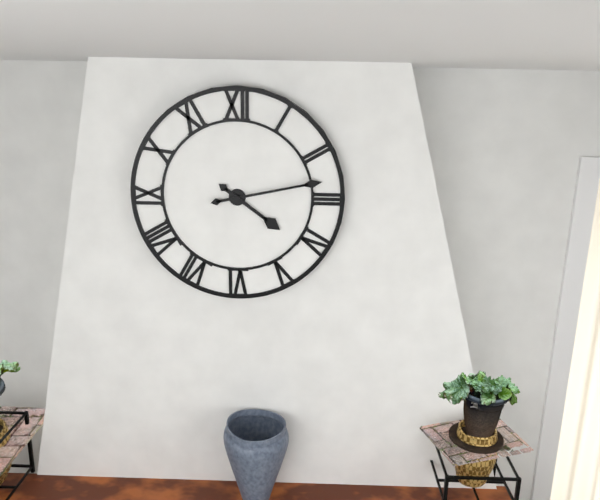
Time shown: 4:13
